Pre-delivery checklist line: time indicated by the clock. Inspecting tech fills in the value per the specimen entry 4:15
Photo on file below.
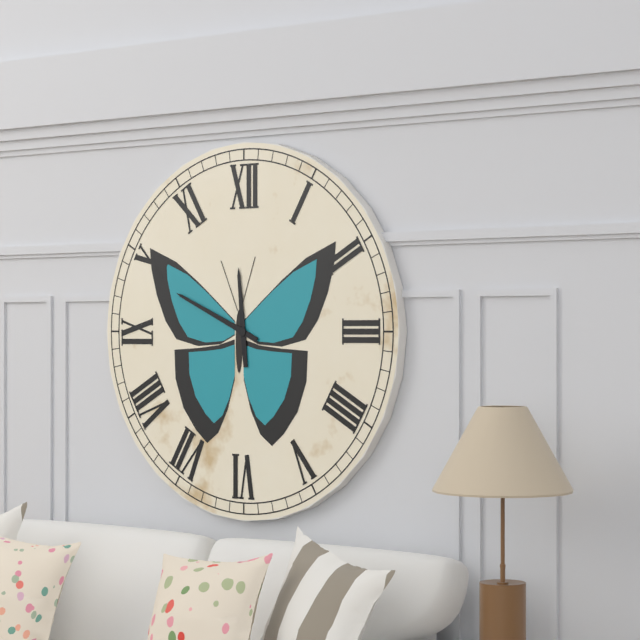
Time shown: 11:49
